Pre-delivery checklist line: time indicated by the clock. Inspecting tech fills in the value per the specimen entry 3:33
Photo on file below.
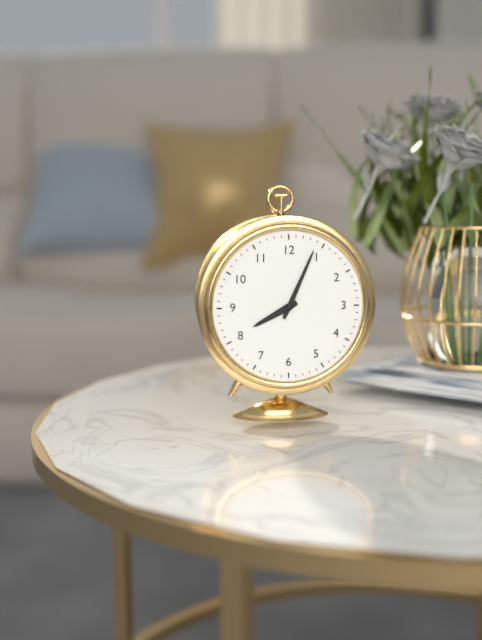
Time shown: 8:04
